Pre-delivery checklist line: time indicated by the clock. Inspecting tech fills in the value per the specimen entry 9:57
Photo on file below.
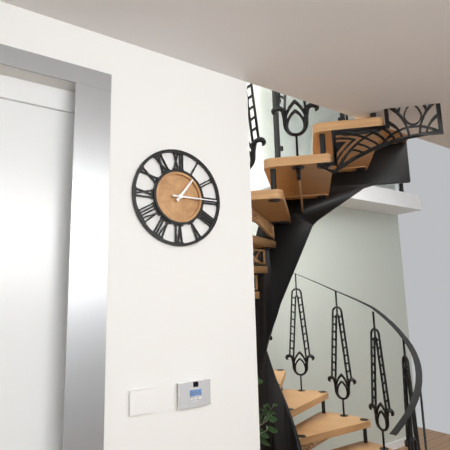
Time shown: 1:15
